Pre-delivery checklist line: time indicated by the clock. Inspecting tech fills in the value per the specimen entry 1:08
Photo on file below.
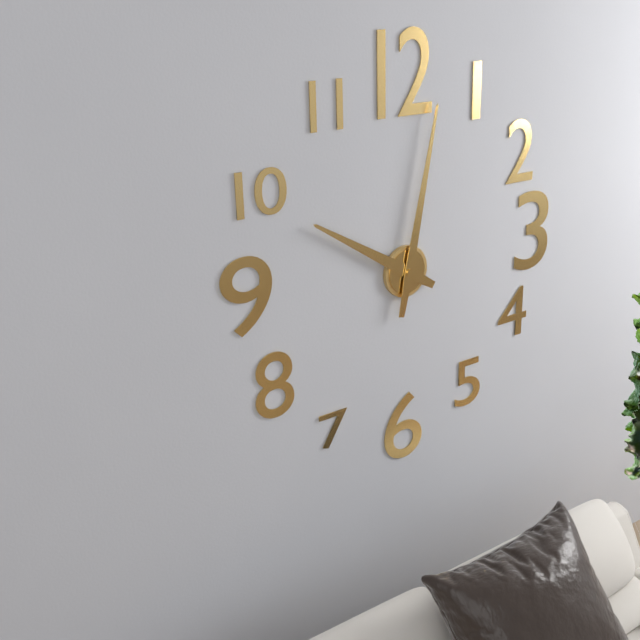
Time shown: 10:02
